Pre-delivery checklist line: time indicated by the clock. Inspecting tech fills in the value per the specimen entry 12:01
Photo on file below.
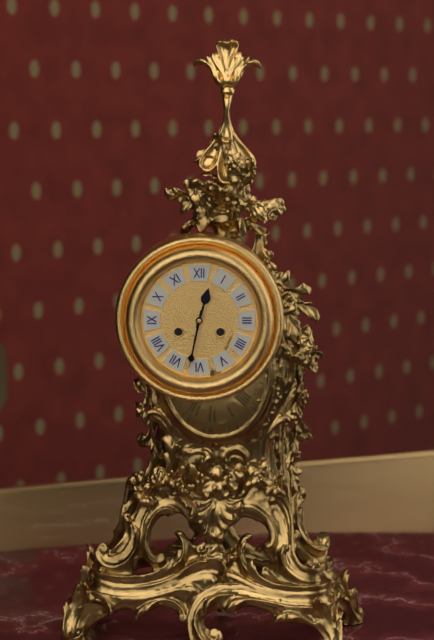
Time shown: 12:32
